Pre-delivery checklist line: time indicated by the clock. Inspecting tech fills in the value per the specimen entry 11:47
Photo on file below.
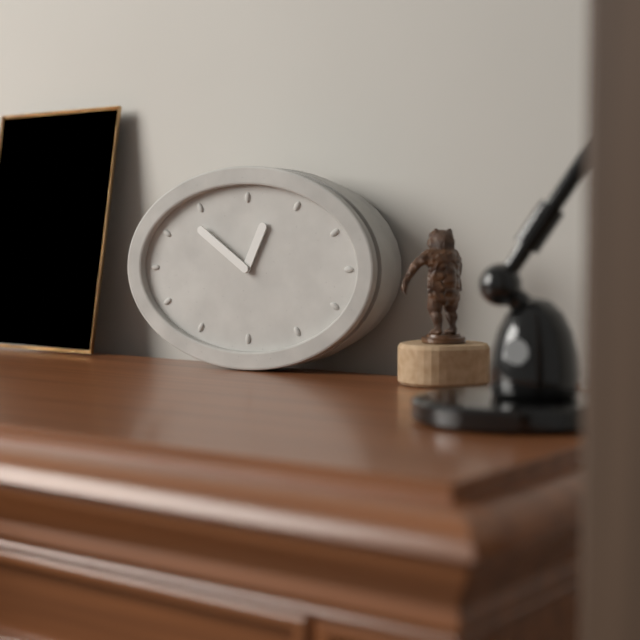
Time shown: 12:51
